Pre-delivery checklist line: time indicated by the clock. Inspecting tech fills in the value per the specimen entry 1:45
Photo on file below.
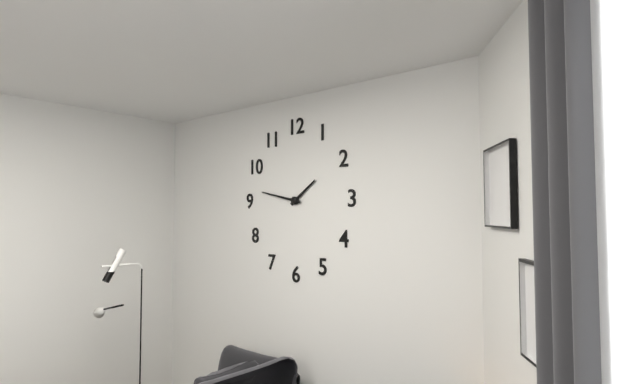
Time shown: 1:47
